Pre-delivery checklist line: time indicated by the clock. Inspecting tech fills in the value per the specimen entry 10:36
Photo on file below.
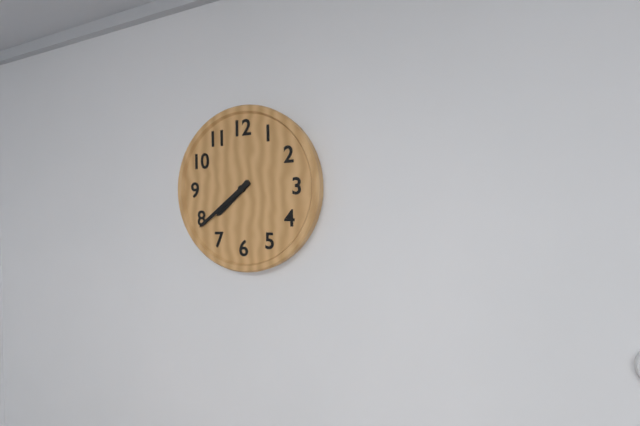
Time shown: 7:39
